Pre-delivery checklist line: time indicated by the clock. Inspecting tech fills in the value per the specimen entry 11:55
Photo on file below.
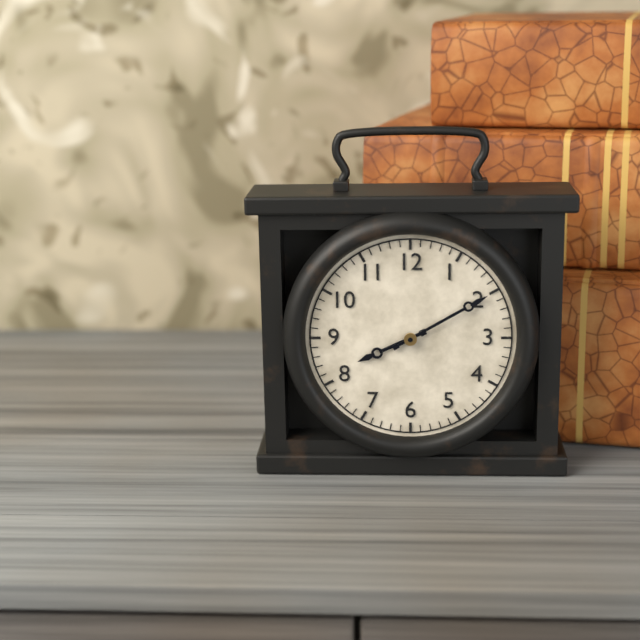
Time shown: 8:10
